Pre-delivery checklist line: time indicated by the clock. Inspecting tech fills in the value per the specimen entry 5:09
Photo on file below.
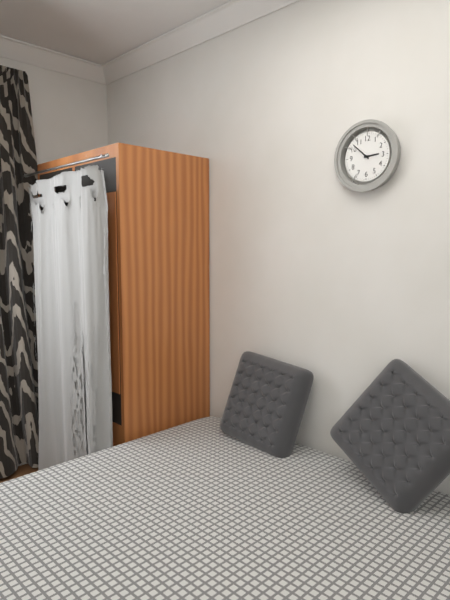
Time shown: 2:52
